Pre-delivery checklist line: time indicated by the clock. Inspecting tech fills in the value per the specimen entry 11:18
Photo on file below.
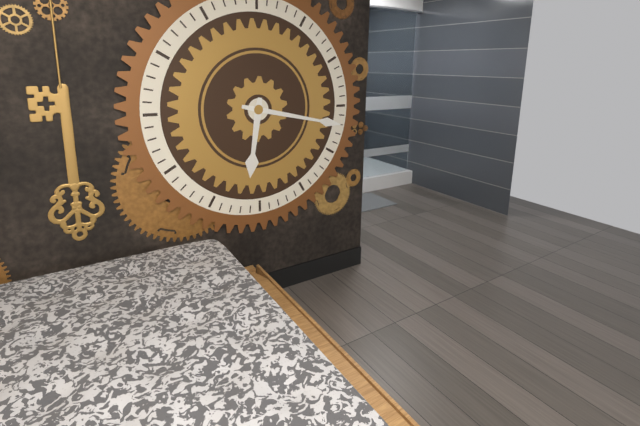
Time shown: 6:17
